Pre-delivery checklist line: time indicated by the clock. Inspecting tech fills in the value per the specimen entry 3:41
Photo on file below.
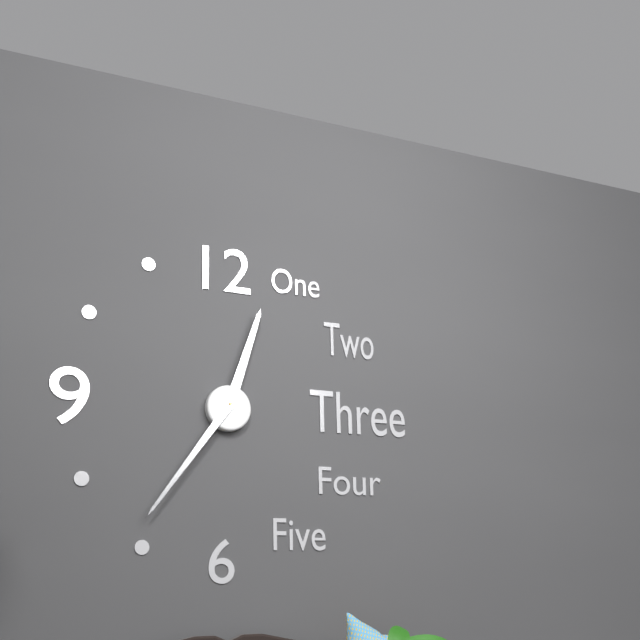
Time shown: 12:36
